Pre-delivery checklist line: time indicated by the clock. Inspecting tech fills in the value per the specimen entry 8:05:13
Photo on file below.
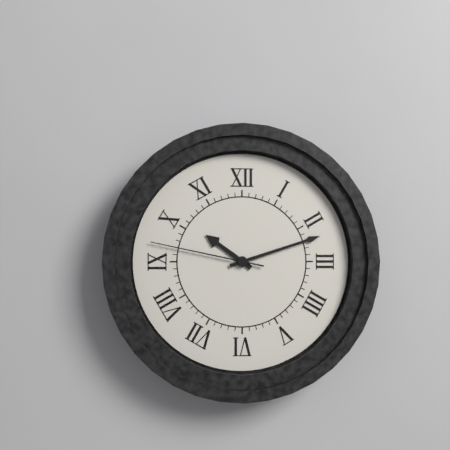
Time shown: 10:12:47
